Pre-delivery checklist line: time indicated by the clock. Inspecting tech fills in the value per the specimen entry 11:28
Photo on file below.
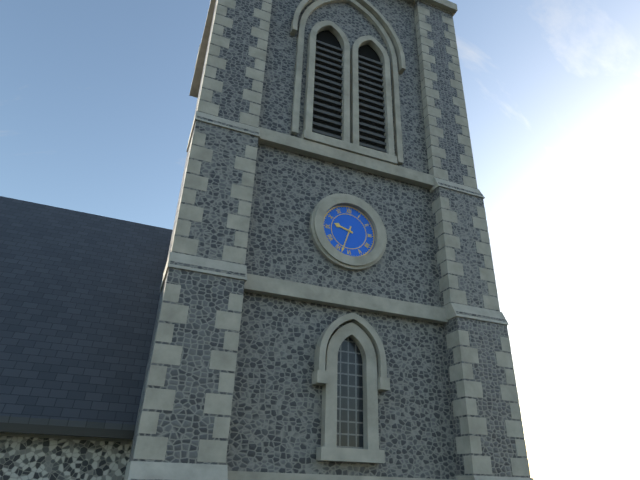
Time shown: 9:33
